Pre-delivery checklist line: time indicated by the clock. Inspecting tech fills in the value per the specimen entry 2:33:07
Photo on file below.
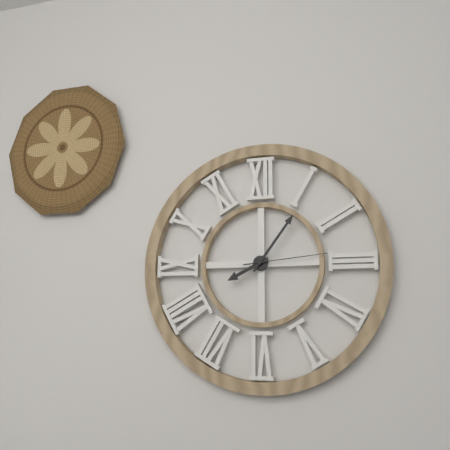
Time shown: 8:06:14
